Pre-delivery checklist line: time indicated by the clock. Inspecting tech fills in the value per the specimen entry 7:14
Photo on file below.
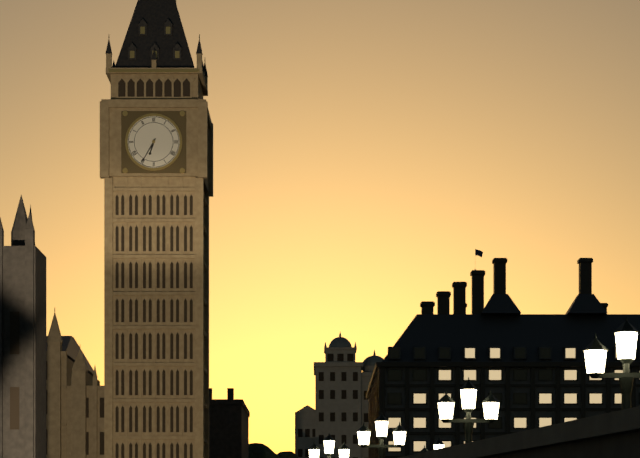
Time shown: 6:35
